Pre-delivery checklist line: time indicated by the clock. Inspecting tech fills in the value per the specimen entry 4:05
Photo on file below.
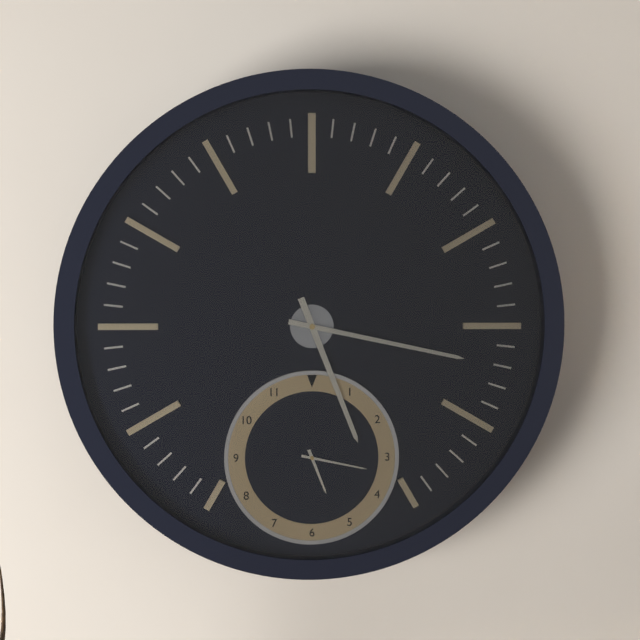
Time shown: 5:17
